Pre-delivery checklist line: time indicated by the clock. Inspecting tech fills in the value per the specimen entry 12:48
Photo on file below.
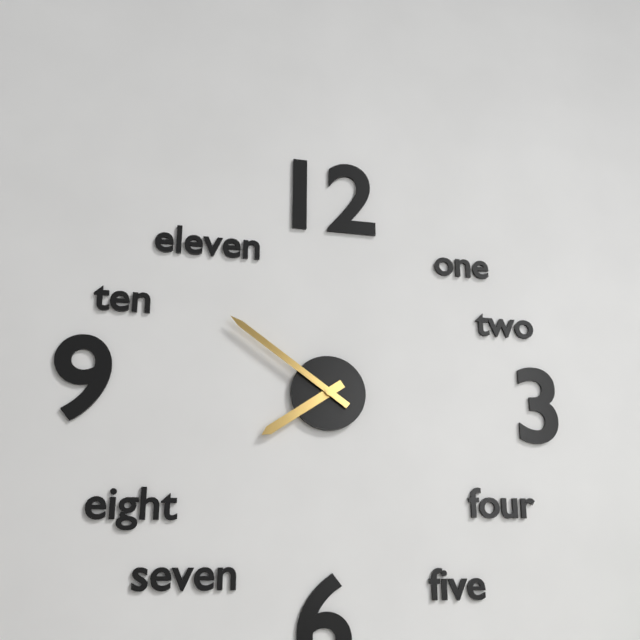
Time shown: 7:51
